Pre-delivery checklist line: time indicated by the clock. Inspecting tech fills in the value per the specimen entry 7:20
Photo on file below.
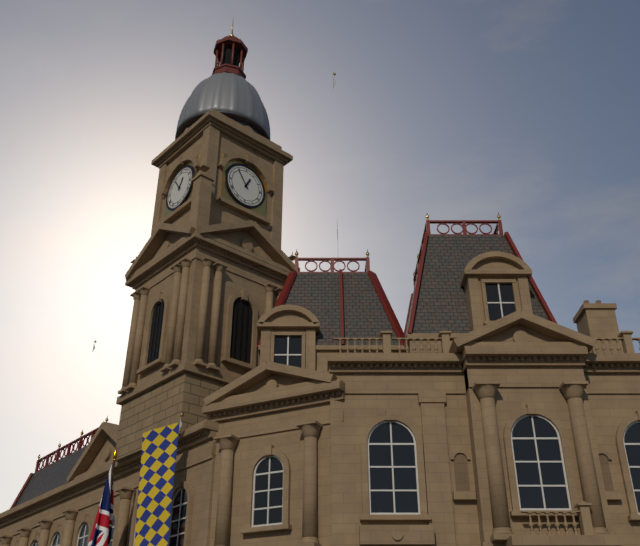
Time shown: 12:54
